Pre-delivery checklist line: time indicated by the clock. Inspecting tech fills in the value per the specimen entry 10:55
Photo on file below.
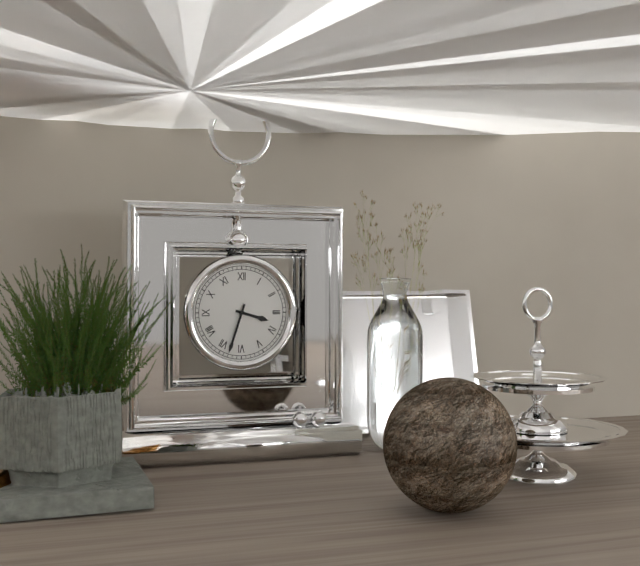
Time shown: 3:33
